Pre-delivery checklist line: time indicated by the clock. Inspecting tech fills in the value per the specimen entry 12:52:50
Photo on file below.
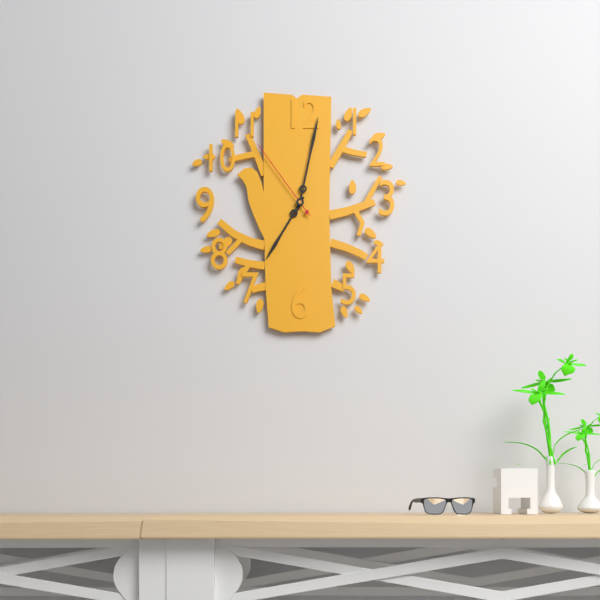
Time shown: 7:02:54
